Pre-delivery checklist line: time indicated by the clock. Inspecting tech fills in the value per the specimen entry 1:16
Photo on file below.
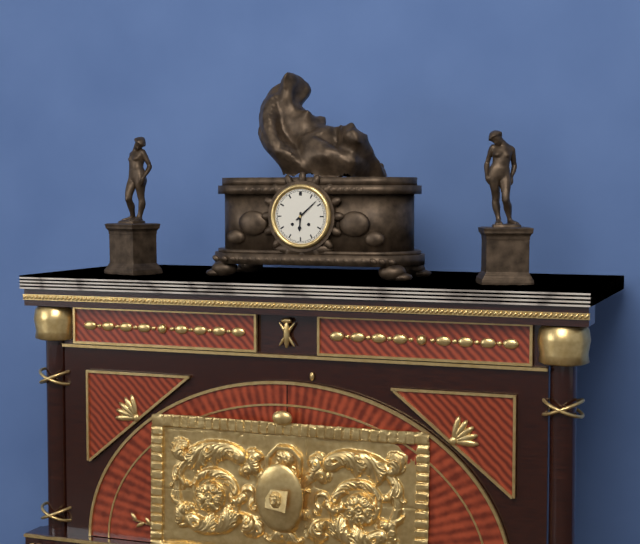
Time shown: 6:08
